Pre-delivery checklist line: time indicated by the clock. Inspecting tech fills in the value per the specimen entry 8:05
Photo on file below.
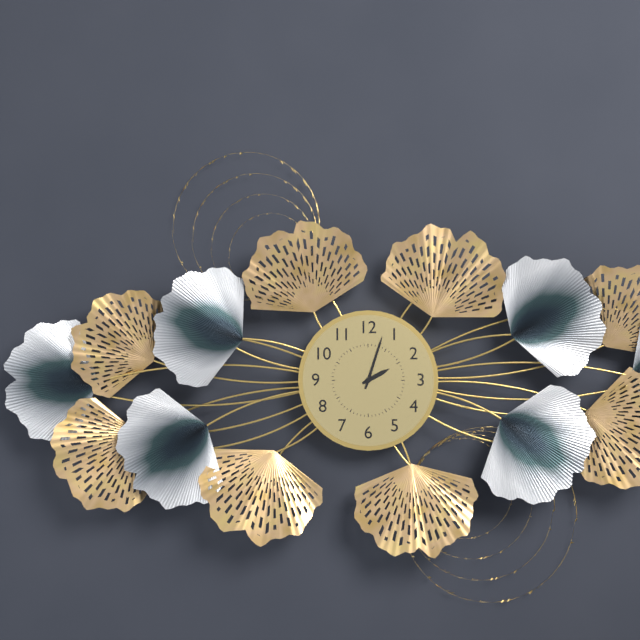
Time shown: 2:03
